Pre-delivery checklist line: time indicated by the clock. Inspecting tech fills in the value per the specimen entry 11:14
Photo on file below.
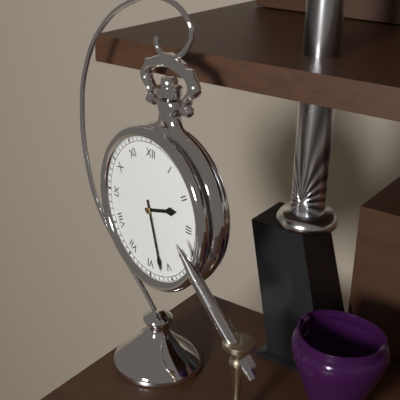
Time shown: 2:27
